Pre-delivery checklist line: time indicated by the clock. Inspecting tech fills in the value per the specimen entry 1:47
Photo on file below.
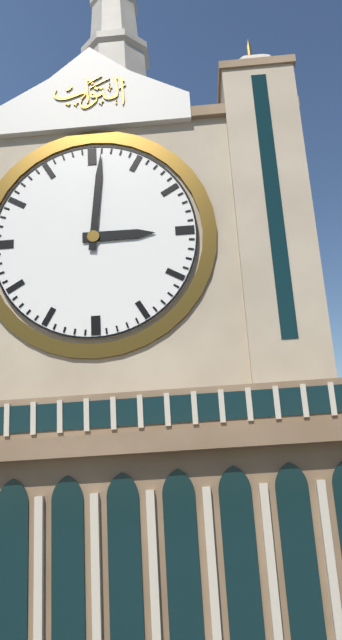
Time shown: 3:01
